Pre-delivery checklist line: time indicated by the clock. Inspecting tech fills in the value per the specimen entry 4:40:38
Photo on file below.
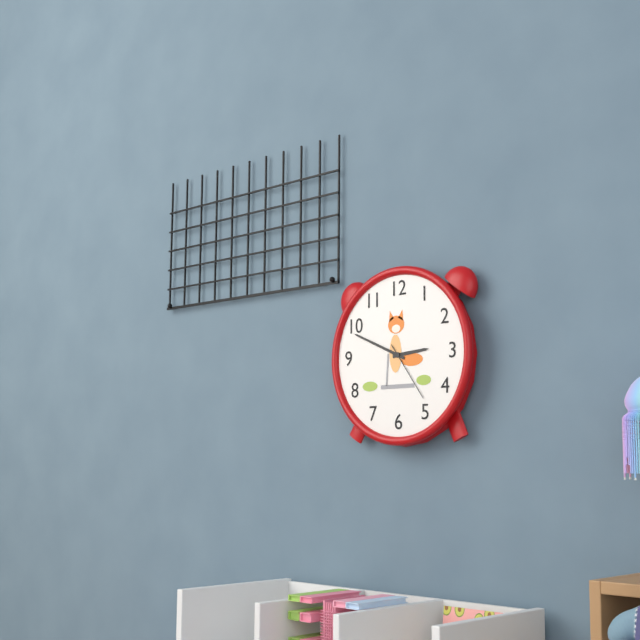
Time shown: 2:49:24
